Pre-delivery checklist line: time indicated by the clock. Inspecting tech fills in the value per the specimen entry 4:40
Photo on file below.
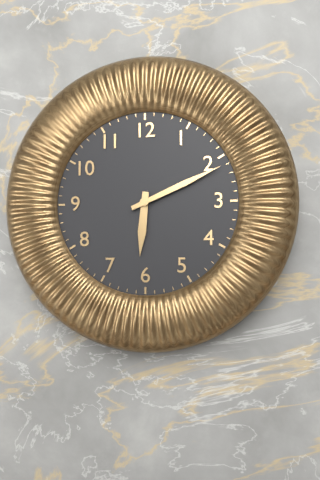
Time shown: 6:11
